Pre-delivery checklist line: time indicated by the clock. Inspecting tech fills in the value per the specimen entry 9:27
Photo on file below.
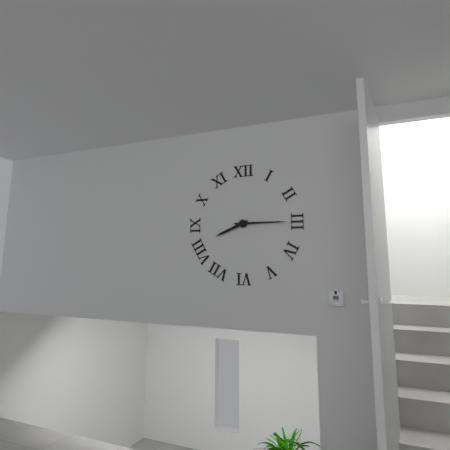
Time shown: 8:15
